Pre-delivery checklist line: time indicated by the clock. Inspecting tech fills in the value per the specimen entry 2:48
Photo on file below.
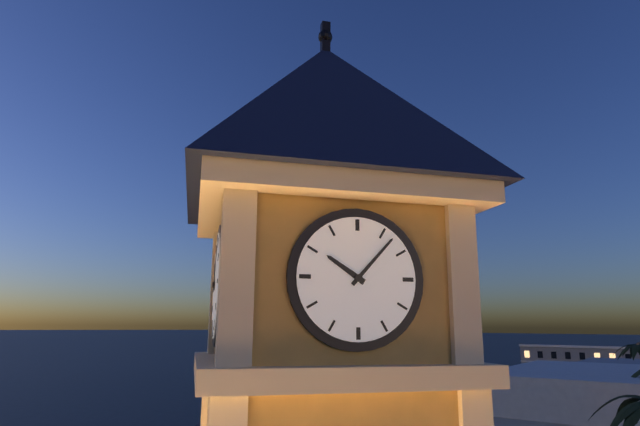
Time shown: 10:07
